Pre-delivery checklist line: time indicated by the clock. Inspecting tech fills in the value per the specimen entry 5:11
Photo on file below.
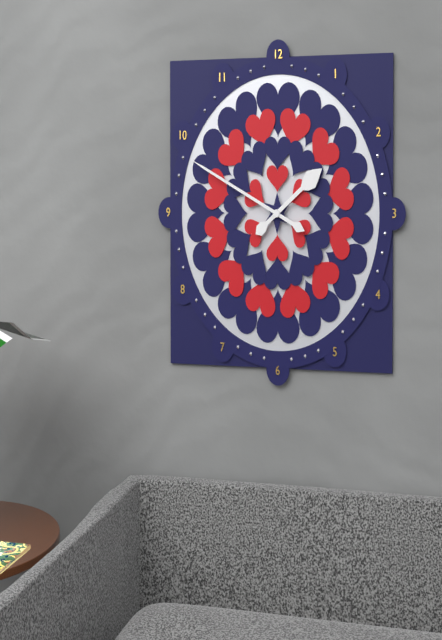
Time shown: 1:49
